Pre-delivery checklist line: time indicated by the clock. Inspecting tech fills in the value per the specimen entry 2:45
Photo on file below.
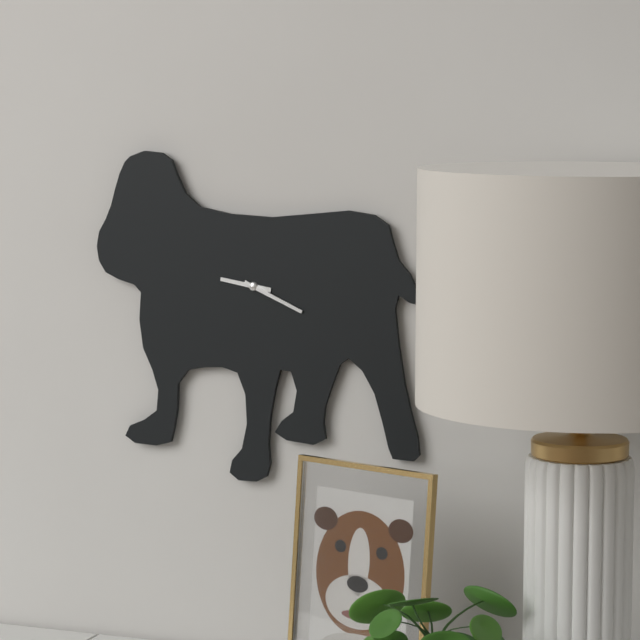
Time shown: 9:19
